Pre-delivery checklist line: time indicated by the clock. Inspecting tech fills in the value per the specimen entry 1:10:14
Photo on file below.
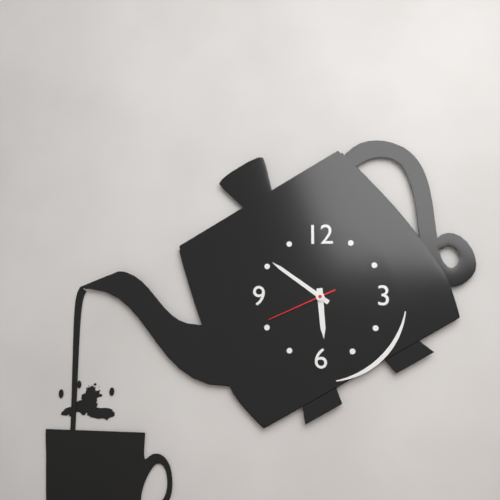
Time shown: 5:51:41
